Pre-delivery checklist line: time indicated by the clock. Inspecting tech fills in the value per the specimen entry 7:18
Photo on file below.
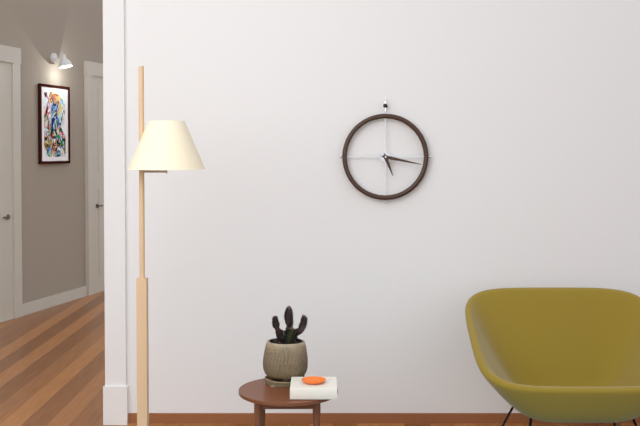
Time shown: 5:17
